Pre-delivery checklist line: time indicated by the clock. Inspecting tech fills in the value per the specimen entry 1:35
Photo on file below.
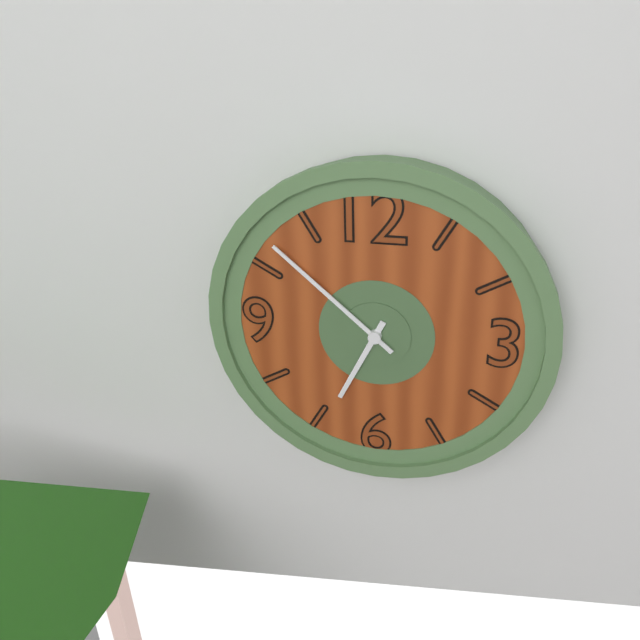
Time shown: 6:52
